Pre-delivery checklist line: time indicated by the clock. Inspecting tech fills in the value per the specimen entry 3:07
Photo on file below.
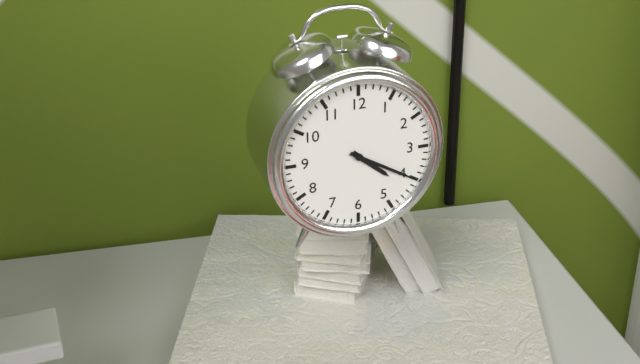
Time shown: 4:20
